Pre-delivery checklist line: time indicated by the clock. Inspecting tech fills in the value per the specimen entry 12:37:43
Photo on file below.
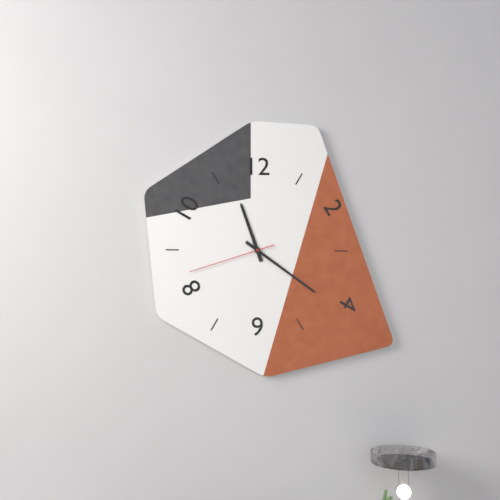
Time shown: 11:21:42
